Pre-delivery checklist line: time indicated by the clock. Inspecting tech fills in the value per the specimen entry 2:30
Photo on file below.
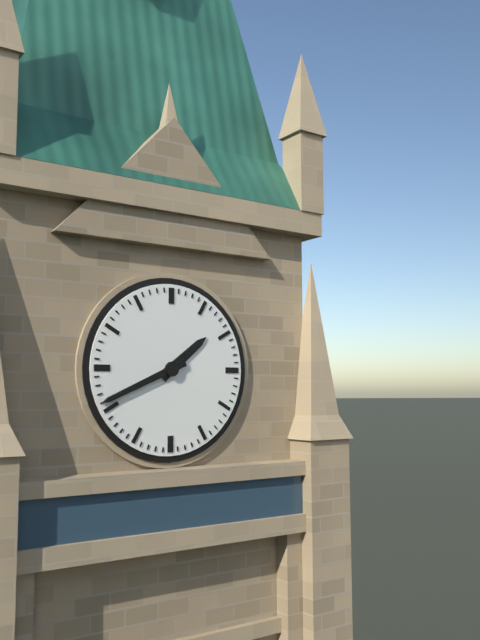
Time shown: 1:41
